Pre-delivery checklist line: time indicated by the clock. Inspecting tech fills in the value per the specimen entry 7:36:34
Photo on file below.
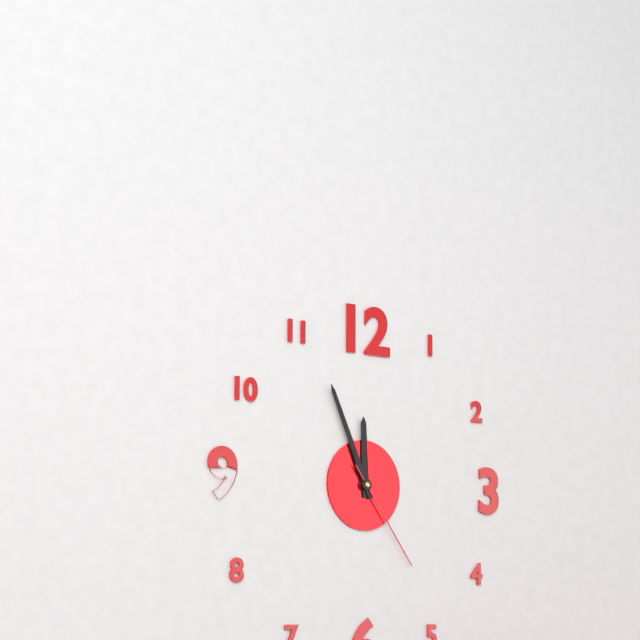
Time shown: 11:56:24
